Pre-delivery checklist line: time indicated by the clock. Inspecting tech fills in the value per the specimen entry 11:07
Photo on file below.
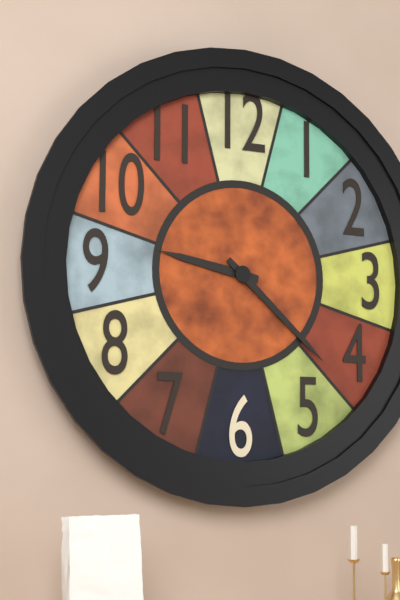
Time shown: 9:22
